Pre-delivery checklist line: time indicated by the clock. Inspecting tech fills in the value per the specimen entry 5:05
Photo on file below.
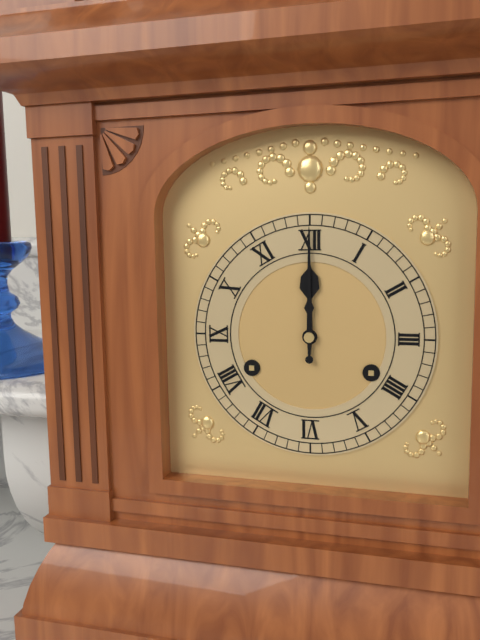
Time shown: 12:00
